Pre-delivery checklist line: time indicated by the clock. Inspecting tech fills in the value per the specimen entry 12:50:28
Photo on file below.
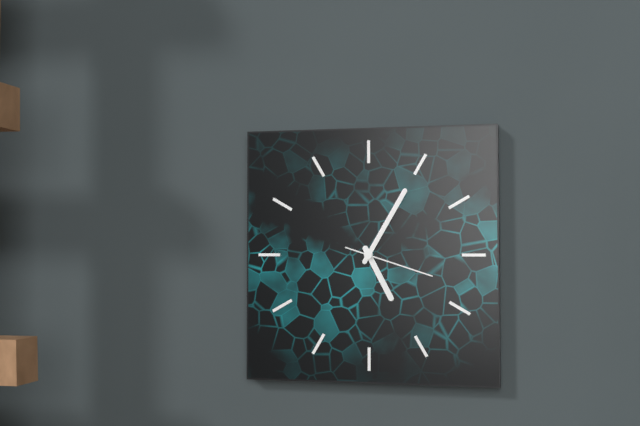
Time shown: 5:05:18
